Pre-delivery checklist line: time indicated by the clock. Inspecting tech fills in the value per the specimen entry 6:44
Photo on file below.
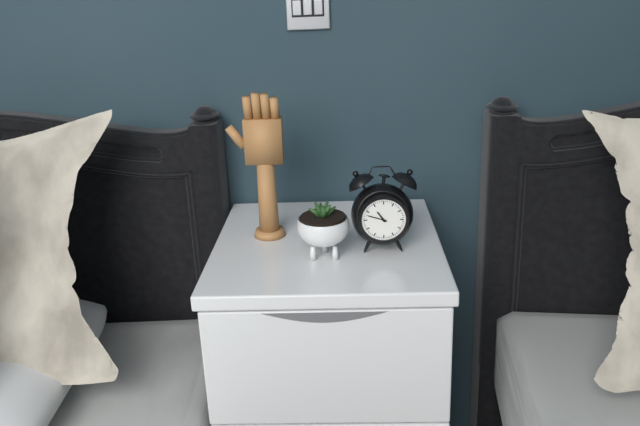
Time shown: 10:48
